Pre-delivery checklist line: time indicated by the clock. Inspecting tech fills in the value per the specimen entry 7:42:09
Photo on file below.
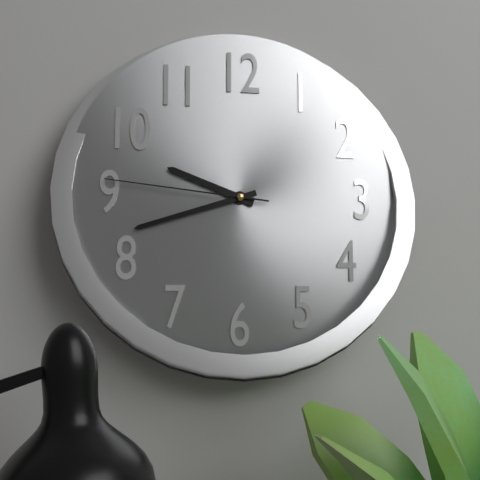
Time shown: 9:42:46
